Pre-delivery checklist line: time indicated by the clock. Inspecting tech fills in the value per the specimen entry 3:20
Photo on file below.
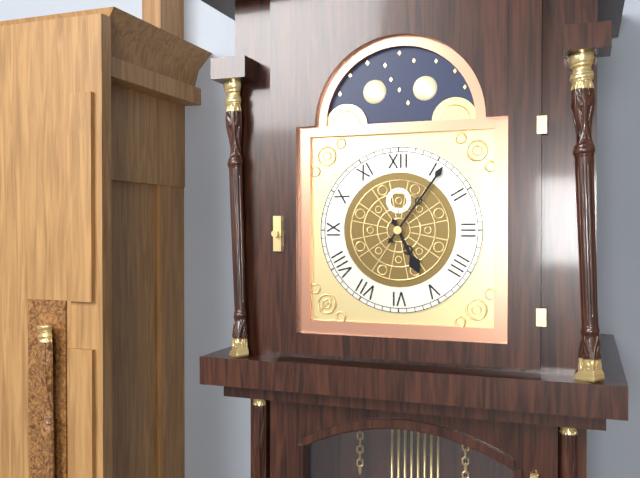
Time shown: 5:06
